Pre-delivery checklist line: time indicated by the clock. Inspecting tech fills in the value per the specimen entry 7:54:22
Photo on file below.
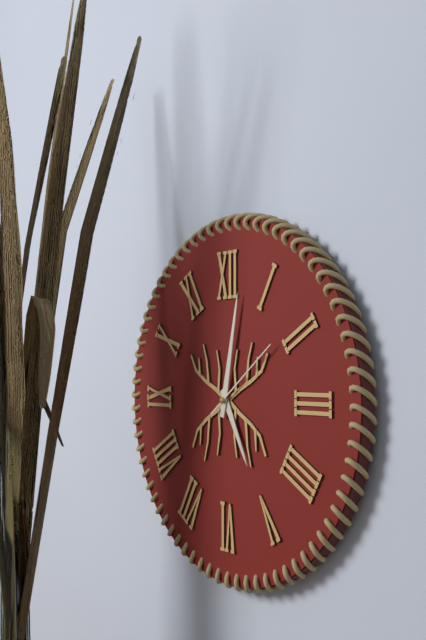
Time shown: 5:02:09
